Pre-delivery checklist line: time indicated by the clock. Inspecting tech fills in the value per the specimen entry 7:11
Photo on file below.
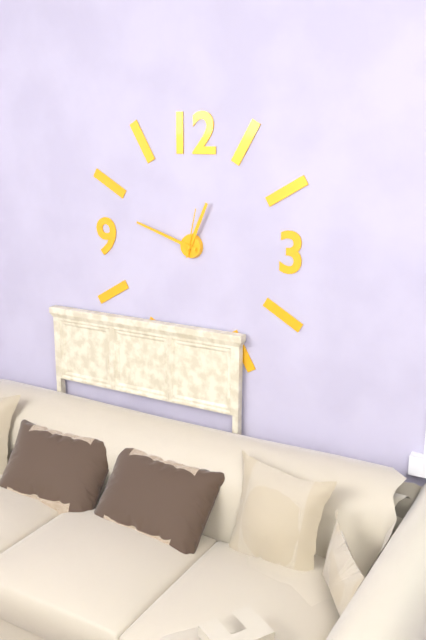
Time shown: 12:48
